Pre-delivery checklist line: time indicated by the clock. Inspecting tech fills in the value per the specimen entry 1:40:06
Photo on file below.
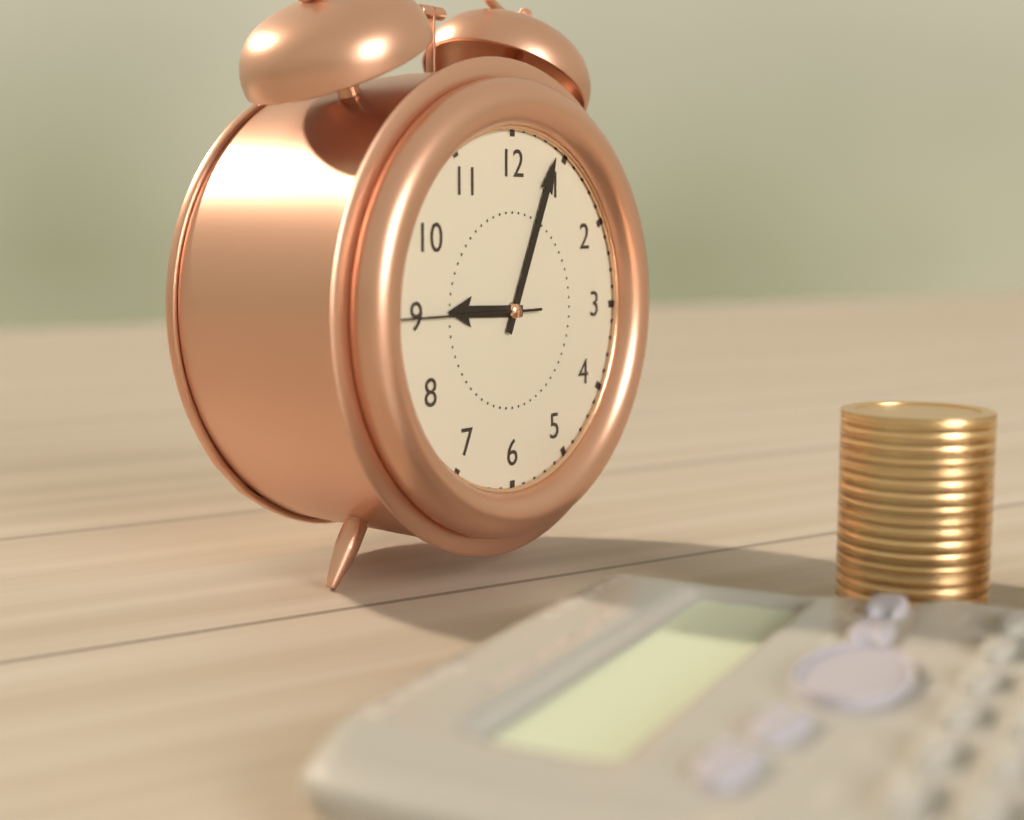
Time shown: 9:04:45
